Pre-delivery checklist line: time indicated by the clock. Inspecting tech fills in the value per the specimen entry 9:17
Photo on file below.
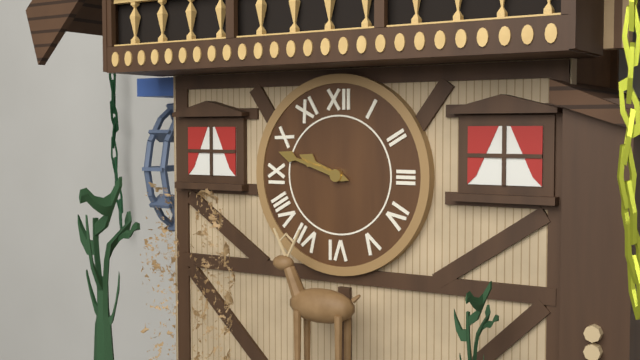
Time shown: 9:48
